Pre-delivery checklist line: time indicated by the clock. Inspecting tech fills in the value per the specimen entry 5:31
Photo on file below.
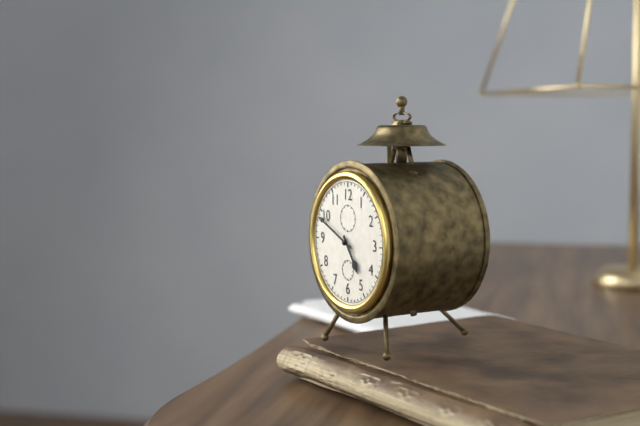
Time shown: 4:49
